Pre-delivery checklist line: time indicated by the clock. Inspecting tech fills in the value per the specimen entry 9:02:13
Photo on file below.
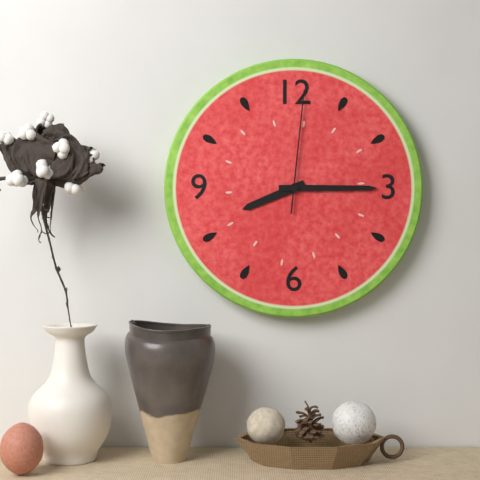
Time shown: 8:15:01
